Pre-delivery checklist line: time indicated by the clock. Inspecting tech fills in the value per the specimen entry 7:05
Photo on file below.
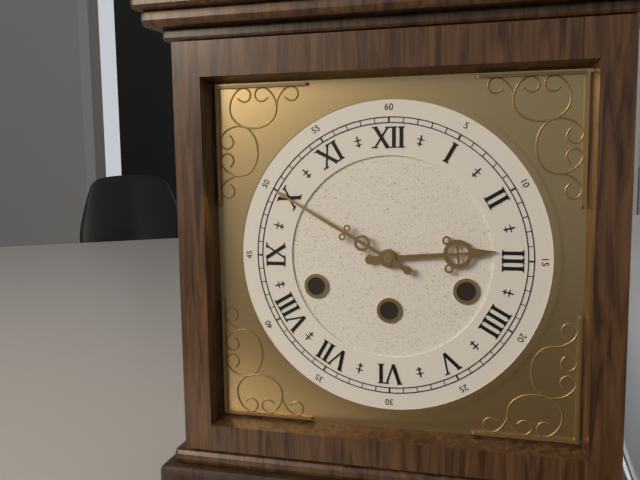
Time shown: 2:50
